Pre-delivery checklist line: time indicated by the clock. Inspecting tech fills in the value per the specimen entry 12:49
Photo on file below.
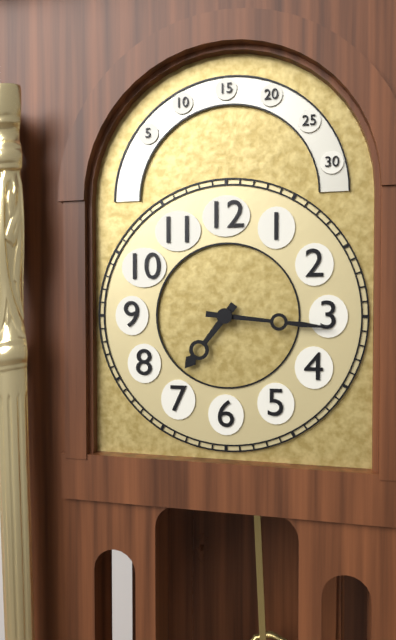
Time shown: 7:16
